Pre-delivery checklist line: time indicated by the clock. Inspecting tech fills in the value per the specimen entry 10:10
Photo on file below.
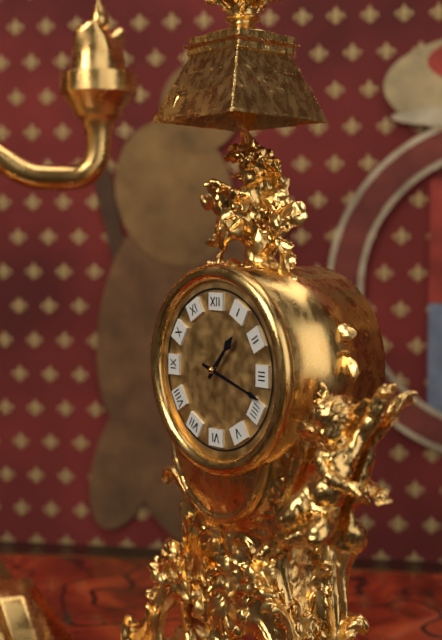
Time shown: 1:18
